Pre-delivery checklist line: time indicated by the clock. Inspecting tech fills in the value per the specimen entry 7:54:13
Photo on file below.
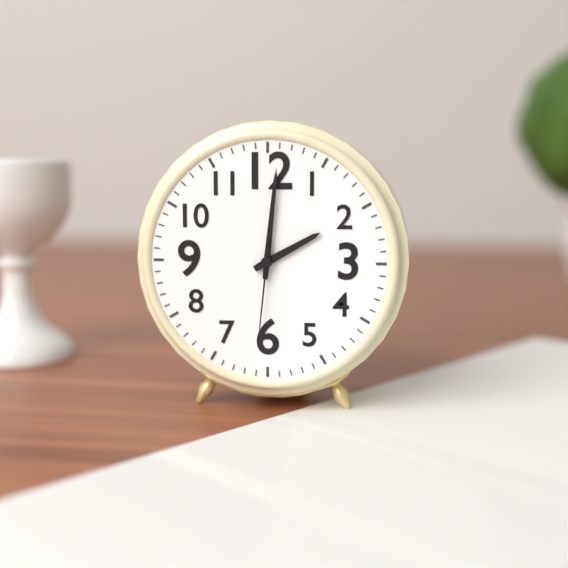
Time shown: 2:01:31
